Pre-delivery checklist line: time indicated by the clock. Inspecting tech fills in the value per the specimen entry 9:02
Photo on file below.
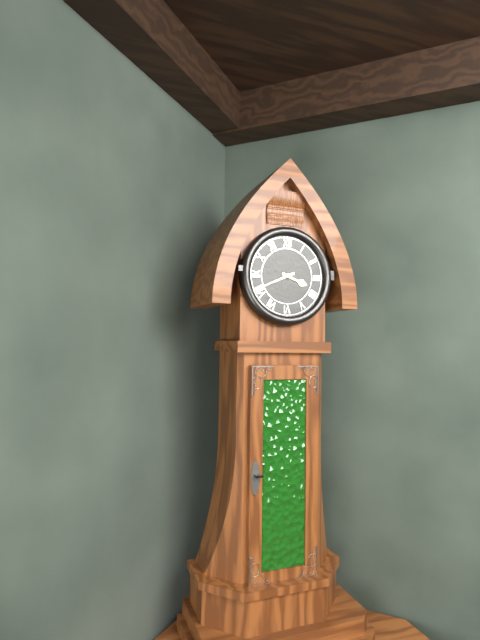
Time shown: 3:41
